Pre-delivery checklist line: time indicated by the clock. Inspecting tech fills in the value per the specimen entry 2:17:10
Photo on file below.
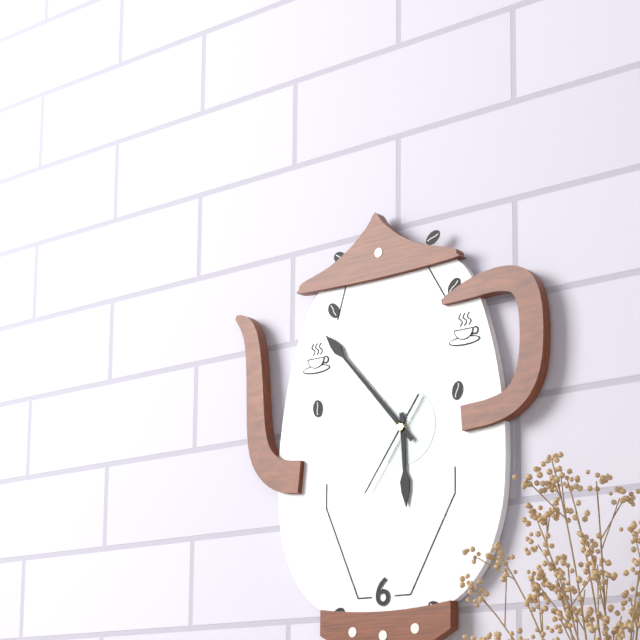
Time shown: 5:53:36
